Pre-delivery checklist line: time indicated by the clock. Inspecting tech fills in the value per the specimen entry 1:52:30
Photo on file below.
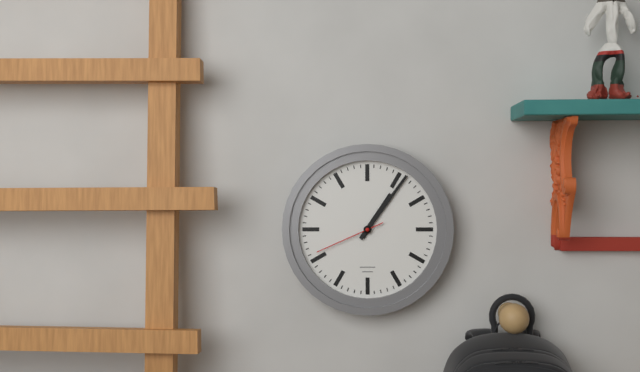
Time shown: 1:06:41
